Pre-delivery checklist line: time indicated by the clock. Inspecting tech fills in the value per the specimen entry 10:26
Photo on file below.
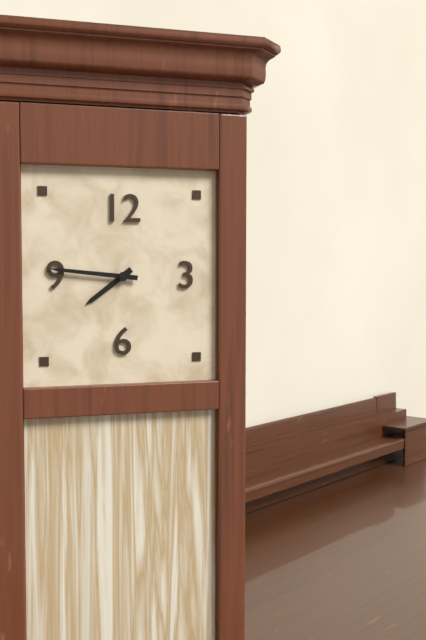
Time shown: 7:46
